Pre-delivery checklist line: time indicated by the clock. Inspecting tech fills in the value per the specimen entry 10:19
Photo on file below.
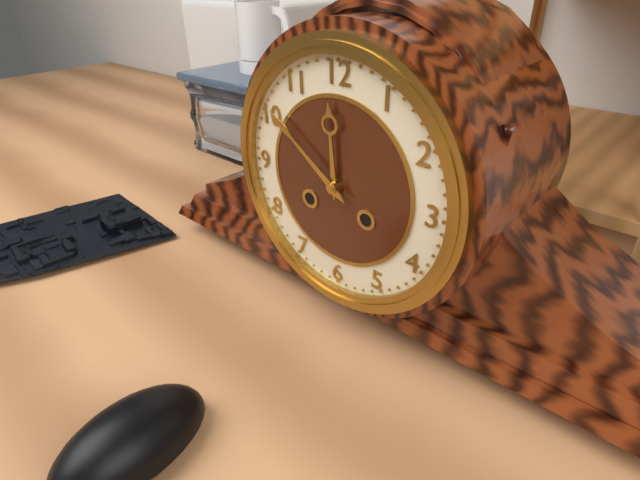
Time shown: 11:51
